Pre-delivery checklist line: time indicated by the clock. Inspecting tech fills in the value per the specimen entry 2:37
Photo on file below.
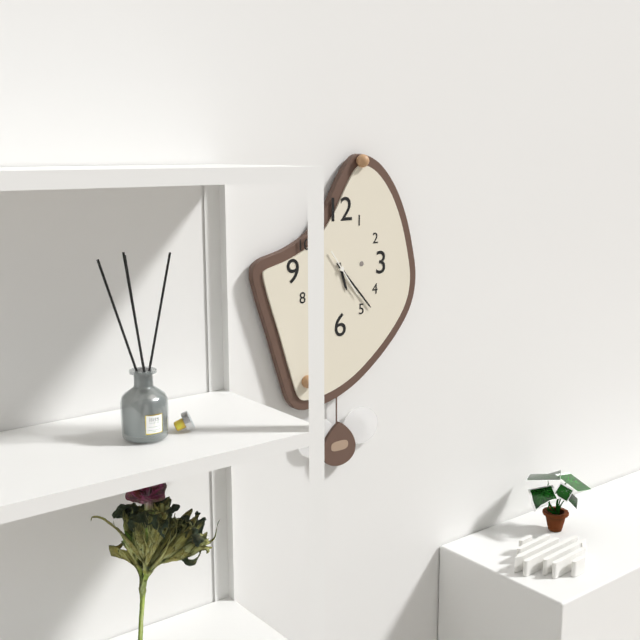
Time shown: 5:23
